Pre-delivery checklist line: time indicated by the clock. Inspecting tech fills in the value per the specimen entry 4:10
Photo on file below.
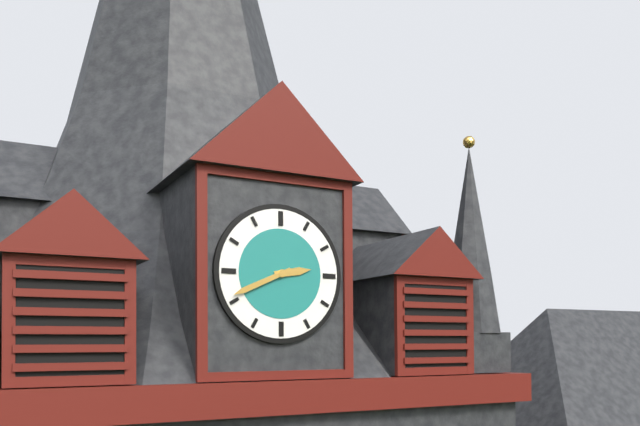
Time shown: 2:41
